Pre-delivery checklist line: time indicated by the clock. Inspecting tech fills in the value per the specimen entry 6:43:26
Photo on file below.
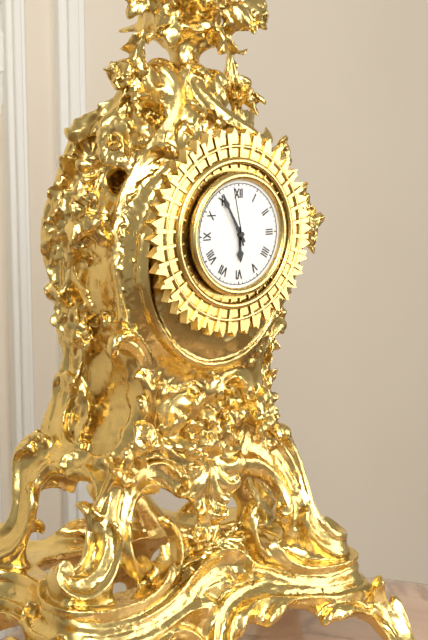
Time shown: 5:55:58
